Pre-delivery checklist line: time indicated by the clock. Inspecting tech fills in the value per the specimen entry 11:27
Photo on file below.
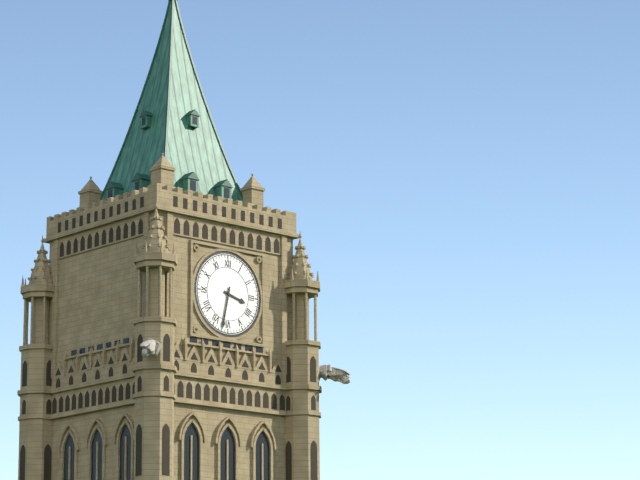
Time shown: 3:32
